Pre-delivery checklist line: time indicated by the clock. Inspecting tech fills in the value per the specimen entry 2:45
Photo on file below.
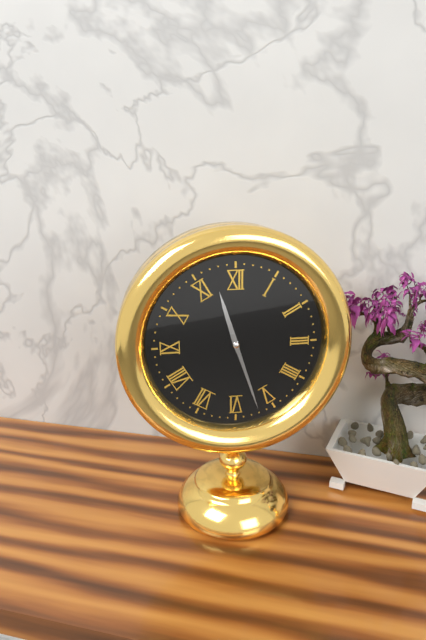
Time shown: 11:27
